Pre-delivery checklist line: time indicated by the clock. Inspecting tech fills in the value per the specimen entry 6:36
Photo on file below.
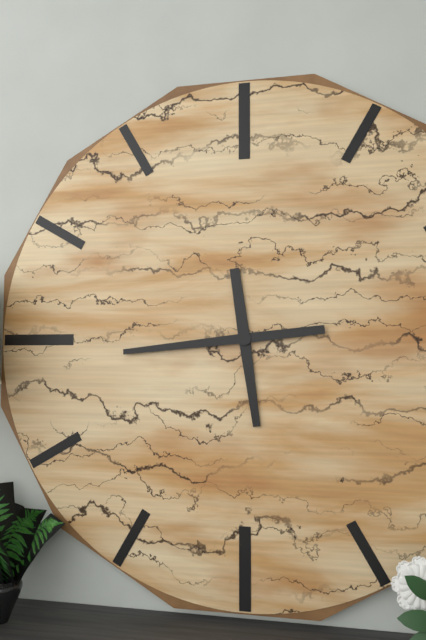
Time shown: 5:44
